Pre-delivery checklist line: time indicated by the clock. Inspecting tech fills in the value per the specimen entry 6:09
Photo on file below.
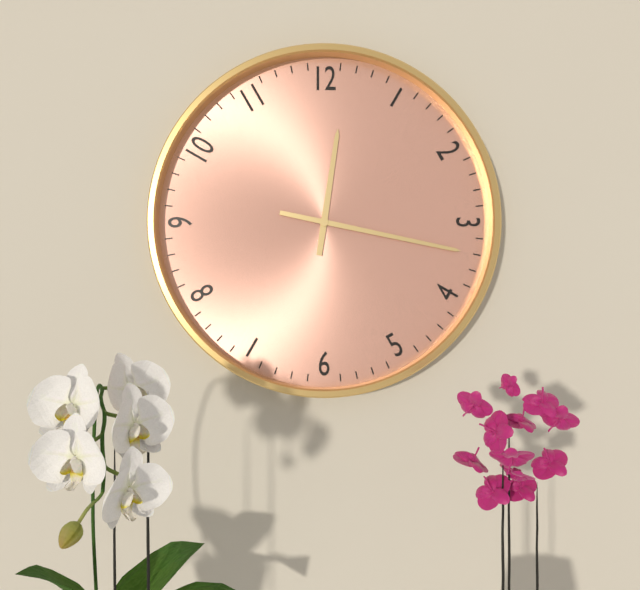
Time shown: 12:17
